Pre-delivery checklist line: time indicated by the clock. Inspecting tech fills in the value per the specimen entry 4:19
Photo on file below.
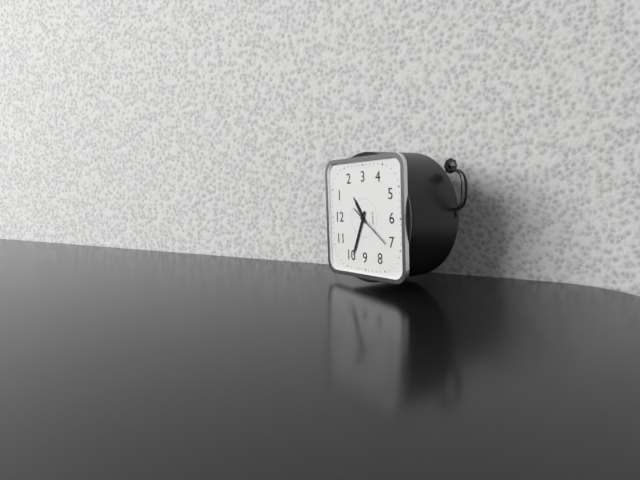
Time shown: 1:49
